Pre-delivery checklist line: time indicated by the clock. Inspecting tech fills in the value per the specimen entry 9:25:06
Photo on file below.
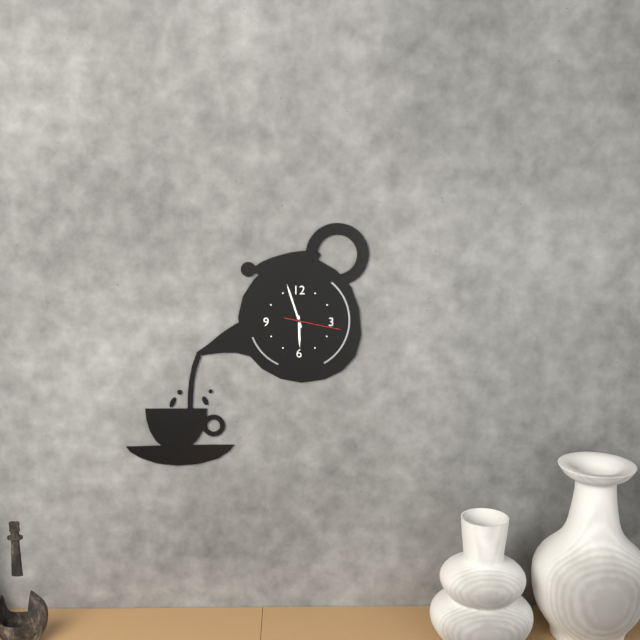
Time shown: 5:57:17
